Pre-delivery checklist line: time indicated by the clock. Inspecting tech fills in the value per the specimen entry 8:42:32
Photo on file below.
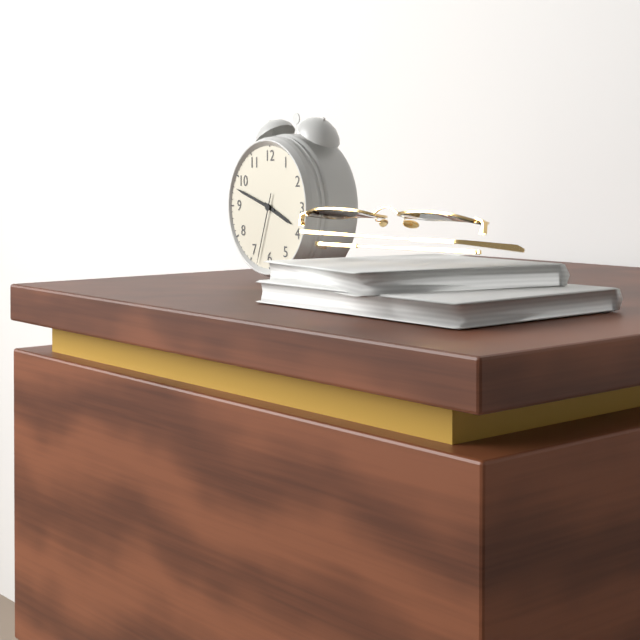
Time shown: 3:48:33
